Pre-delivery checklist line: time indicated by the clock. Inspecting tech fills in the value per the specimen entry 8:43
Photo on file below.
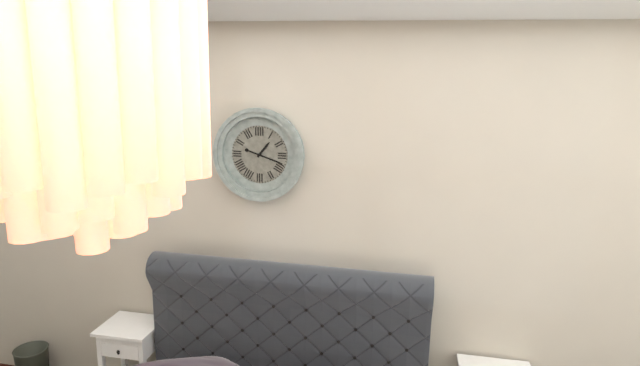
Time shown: 1:18
